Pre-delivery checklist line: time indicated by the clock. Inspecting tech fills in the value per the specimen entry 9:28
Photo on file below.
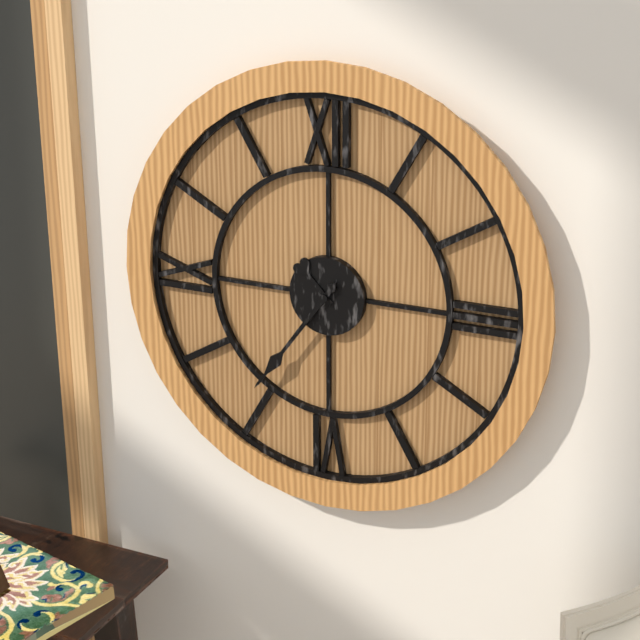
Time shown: 10:36
